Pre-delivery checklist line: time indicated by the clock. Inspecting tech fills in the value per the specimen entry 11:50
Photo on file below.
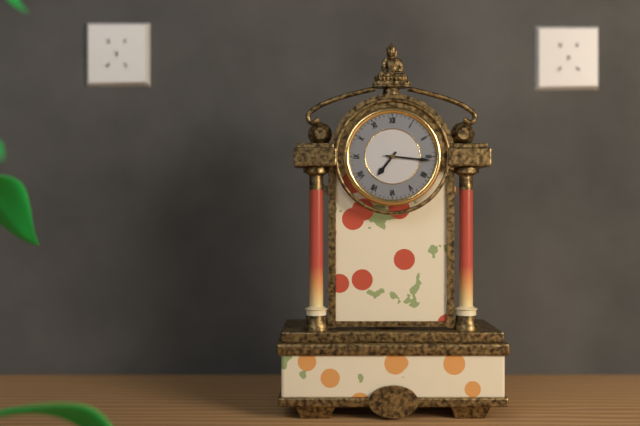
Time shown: 7:16
